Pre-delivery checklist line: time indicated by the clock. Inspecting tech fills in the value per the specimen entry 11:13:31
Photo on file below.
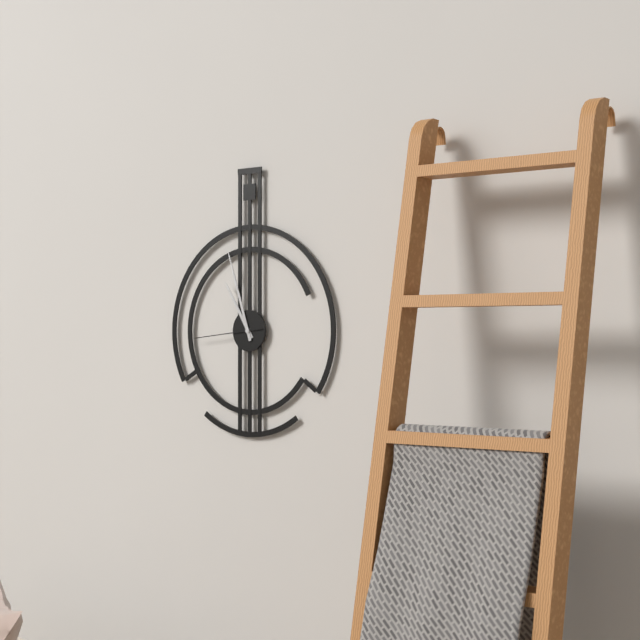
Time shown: 10:57:44
